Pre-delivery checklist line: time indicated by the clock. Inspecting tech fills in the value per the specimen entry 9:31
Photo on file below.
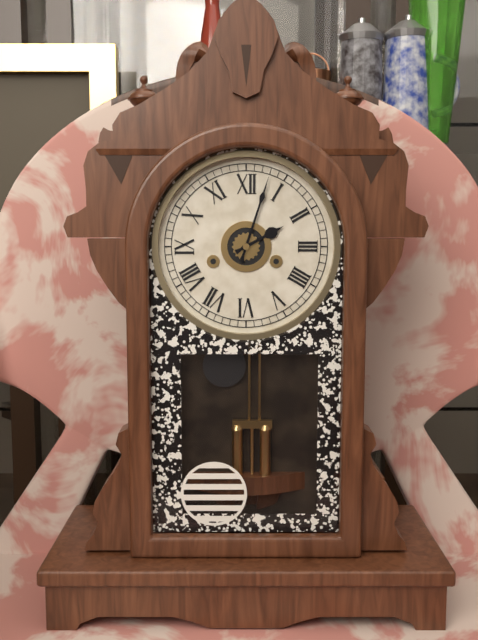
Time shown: 2:03
